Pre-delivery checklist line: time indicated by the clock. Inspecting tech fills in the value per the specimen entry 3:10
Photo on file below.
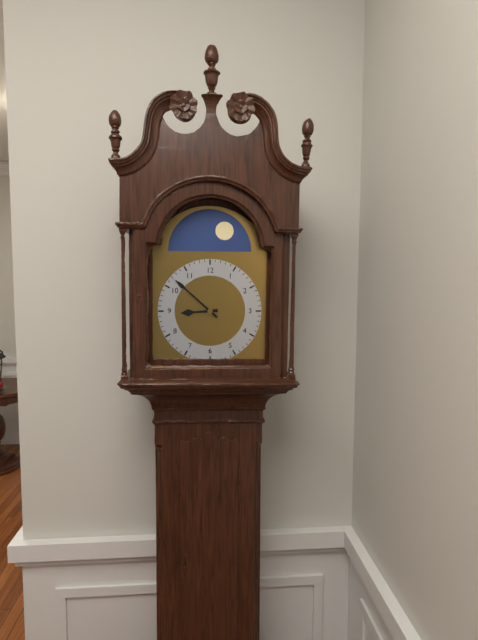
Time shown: 8:52
